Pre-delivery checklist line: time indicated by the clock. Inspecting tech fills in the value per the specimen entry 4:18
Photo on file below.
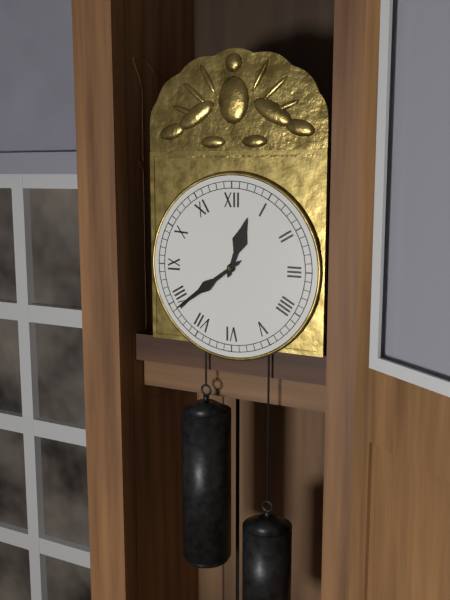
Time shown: 12:39
